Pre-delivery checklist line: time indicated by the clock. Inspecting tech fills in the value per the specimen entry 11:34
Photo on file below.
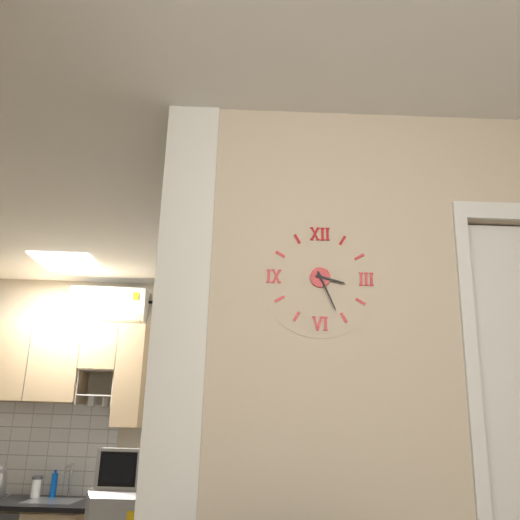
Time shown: 3:26
